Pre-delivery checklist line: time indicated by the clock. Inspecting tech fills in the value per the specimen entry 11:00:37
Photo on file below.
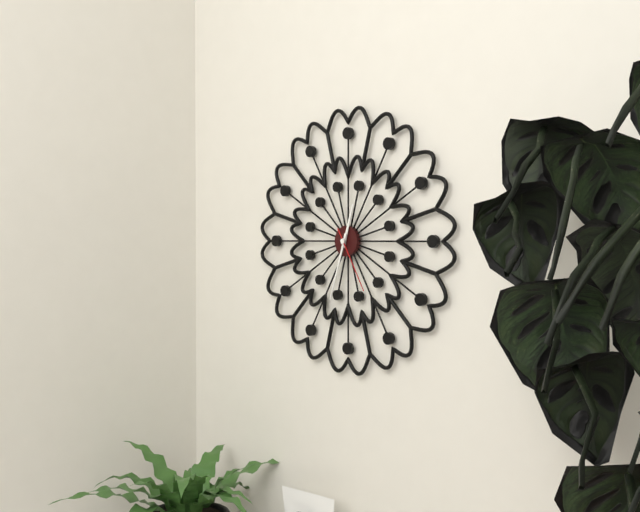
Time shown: 12:33:25
